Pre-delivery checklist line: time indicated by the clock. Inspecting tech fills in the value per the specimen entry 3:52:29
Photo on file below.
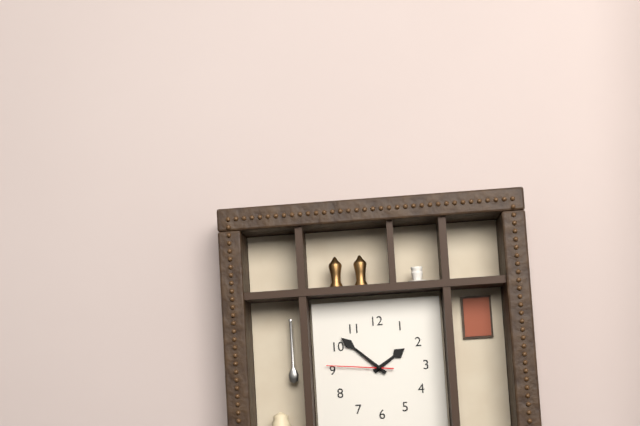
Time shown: 1:52:46
